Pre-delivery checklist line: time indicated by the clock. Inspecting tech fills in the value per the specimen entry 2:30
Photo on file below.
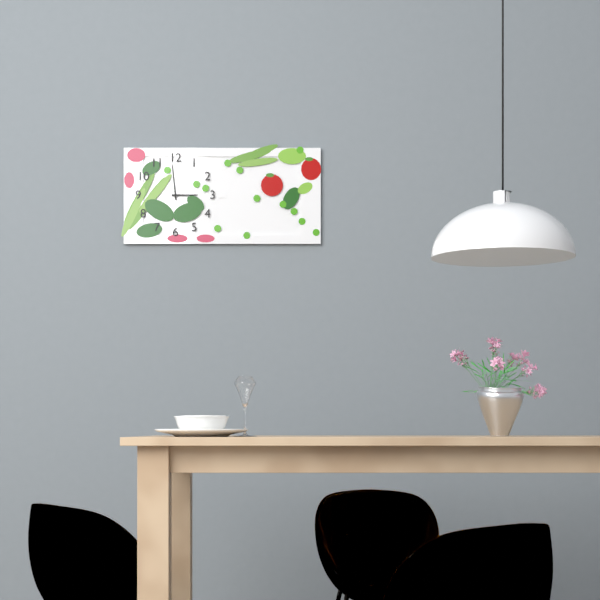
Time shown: 2:59
